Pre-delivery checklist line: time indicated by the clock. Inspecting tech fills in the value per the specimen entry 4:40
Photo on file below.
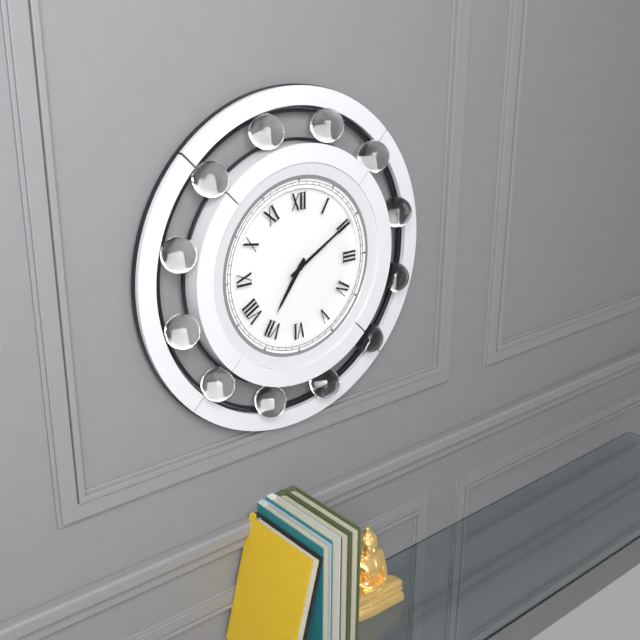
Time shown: 7:10
